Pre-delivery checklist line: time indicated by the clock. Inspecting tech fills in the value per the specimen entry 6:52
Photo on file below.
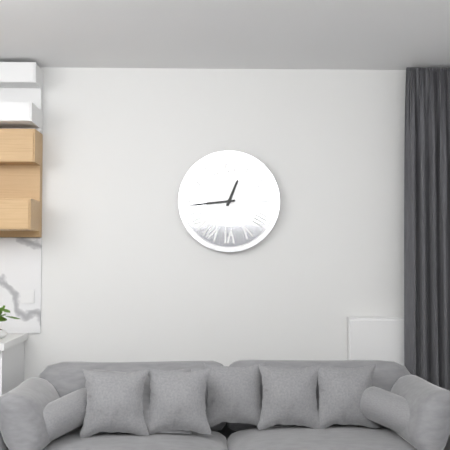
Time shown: 12:44
